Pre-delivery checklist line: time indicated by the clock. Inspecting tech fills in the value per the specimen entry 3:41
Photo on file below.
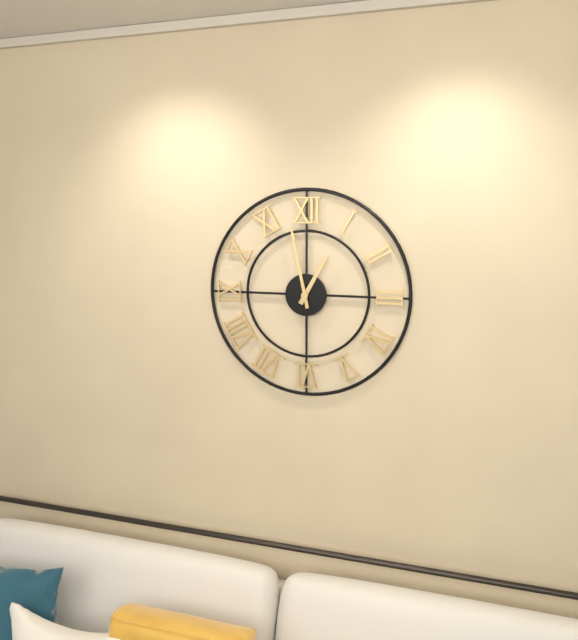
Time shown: 12:58
